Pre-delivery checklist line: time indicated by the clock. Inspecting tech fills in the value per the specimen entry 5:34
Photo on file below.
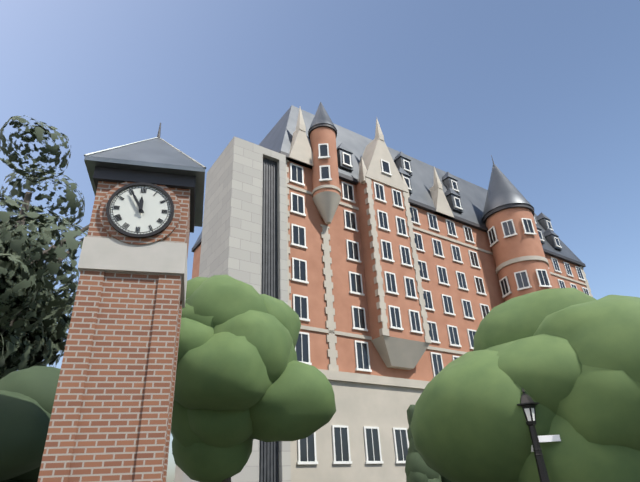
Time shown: 11:55
